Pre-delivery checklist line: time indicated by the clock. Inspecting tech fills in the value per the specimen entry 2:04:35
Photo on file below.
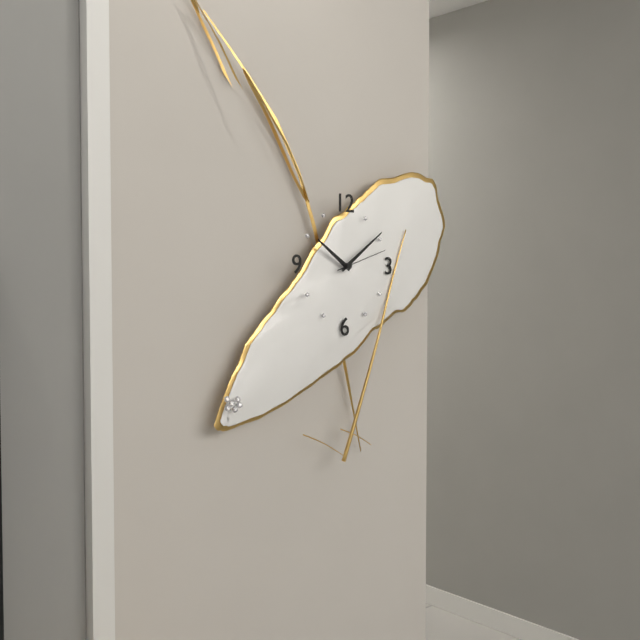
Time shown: 10:09:12
